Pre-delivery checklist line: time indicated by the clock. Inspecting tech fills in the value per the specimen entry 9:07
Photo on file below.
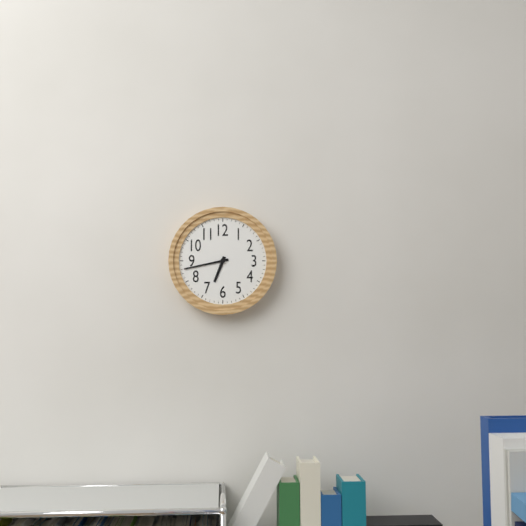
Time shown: 6:43
